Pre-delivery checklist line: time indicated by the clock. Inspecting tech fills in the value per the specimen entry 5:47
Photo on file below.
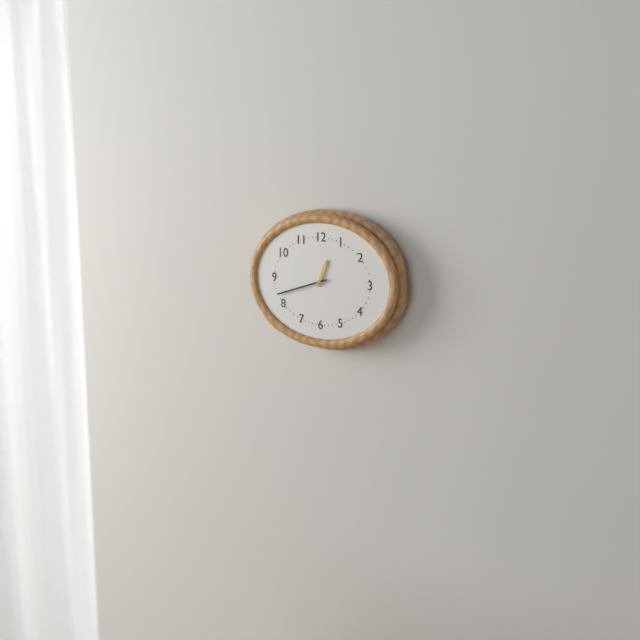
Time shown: 12:42
